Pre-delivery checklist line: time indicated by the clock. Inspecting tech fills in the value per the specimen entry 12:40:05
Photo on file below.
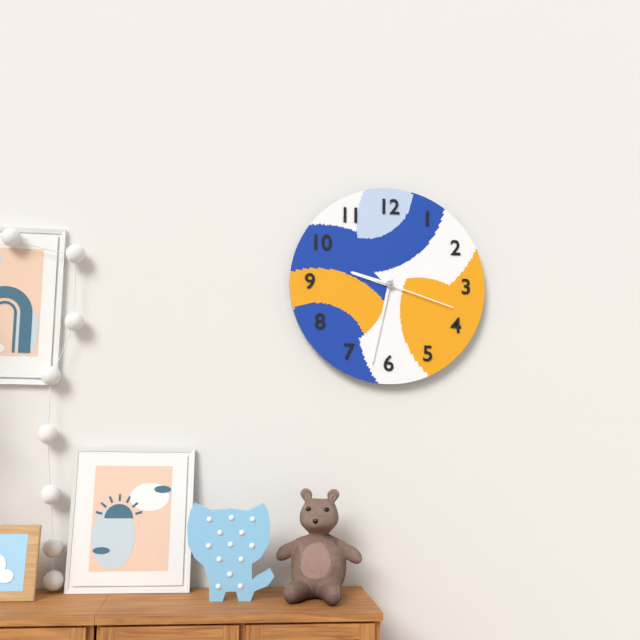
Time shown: 9:32:18
